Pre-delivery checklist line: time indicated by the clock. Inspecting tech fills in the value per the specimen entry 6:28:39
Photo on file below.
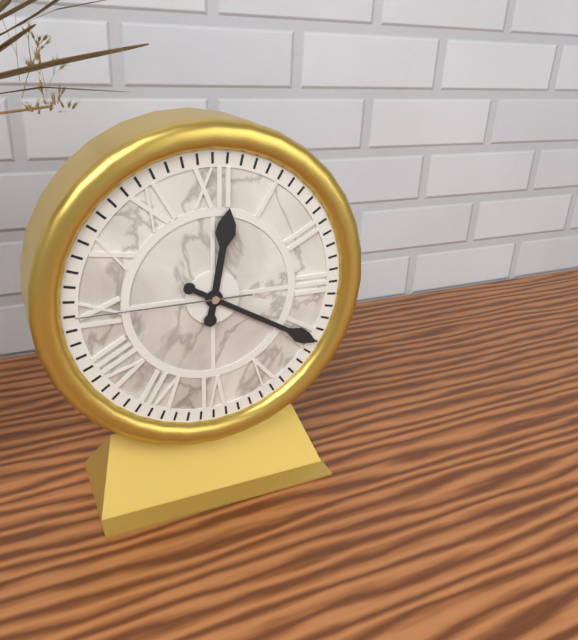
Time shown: 12:20:45
